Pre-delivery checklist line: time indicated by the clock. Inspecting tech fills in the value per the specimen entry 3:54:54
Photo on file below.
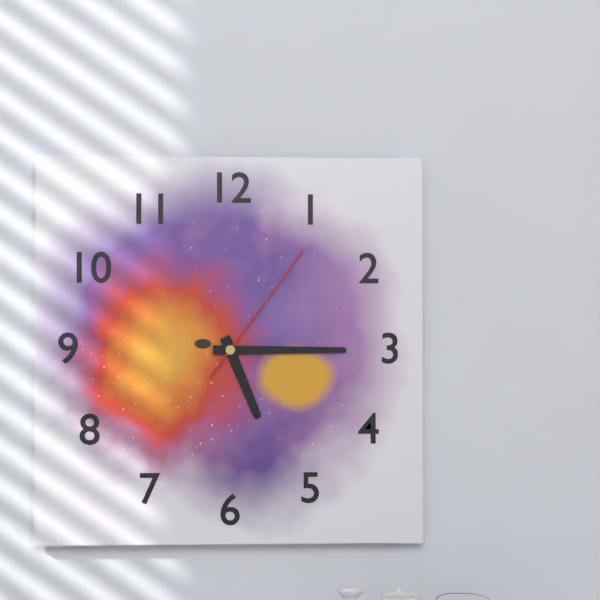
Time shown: 5:15:06
